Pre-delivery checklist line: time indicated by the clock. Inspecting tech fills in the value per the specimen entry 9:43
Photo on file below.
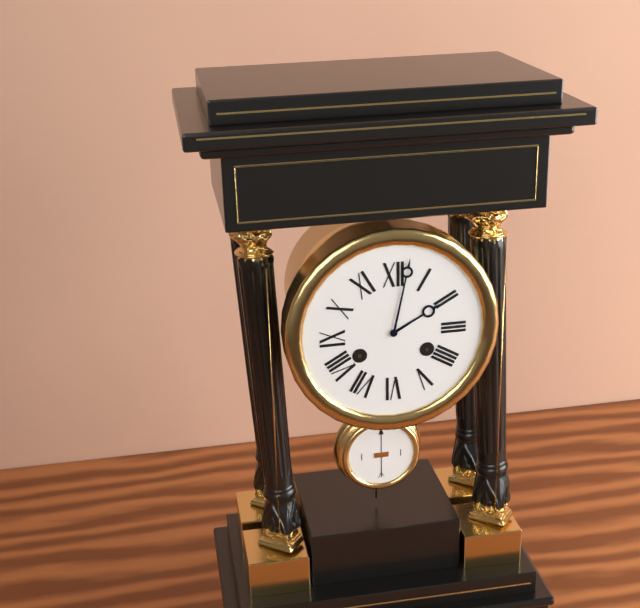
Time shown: 2:02
